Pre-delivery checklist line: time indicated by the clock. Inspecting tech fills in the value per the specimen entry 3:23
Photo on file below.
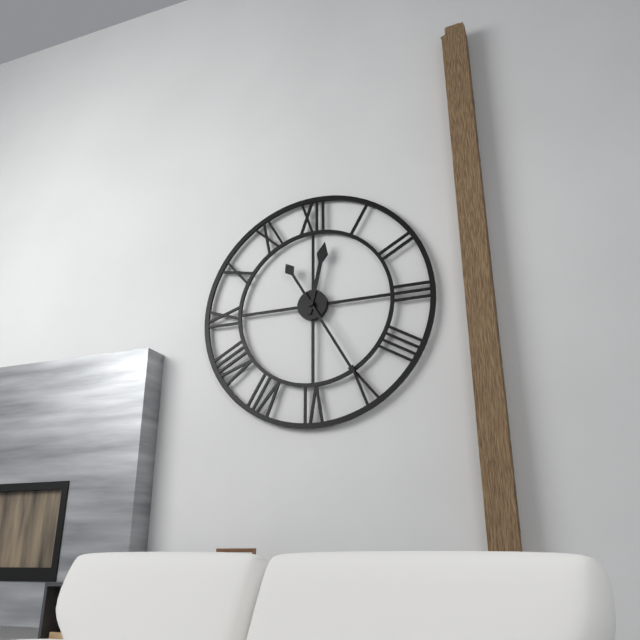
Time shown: 12:25
